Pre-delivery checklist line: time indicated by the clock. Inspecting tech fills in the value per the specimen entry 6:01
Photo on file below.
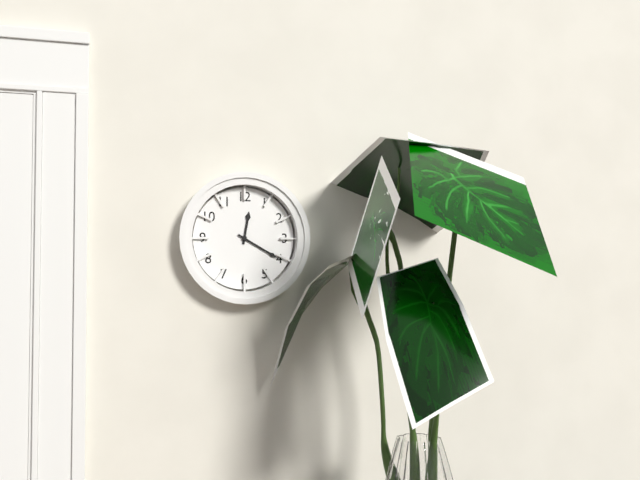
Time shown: 12:20
